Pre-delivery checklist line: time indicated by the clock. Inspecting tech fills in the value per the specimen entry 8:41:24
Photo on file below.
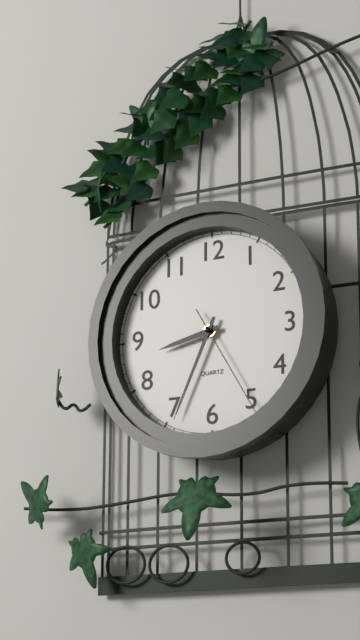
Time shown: 8:34:25
